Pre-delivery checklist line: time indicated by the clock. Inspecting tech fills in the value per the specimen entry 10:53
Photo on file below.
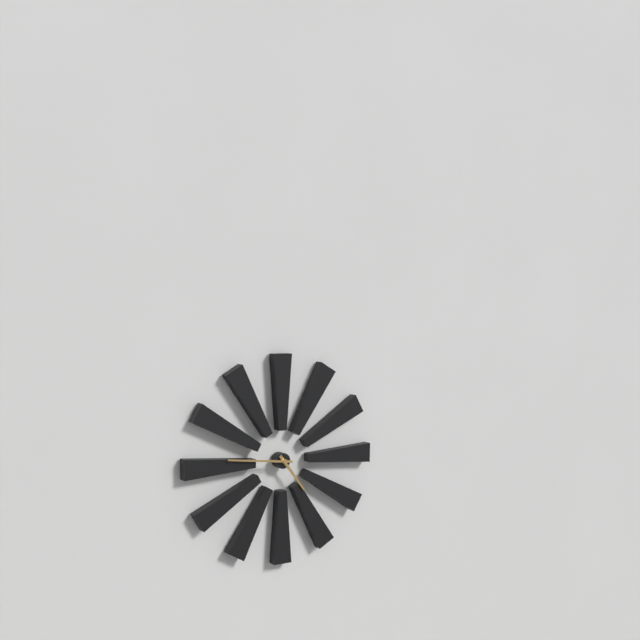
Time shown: 4:46
